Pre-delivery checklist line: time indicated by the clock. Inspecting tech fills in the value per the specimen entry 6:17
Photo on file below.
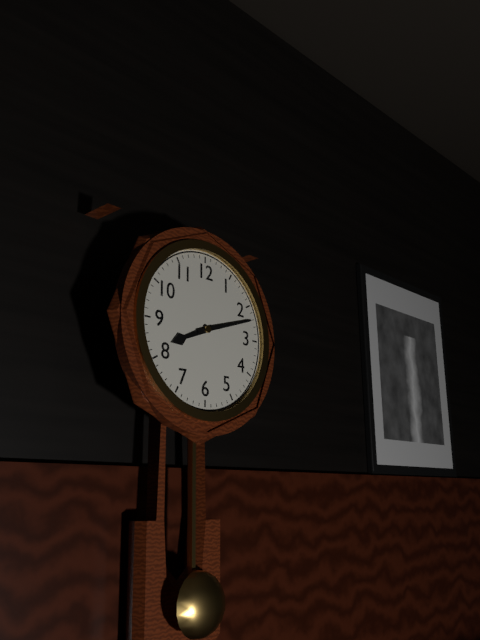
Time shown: 8:12
